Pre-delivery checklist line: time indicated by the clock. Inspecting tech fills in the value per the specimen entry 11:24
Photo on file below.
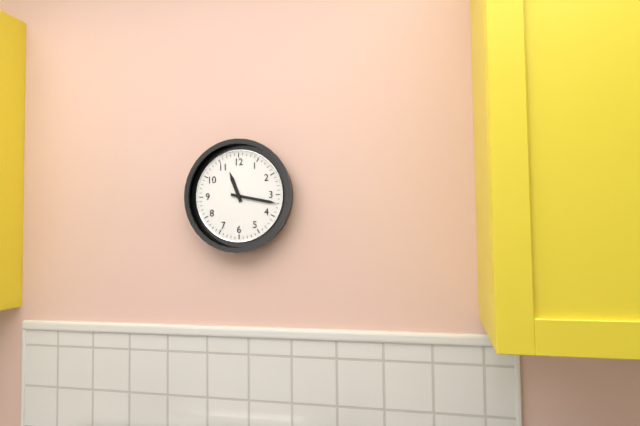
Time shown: 11:17
